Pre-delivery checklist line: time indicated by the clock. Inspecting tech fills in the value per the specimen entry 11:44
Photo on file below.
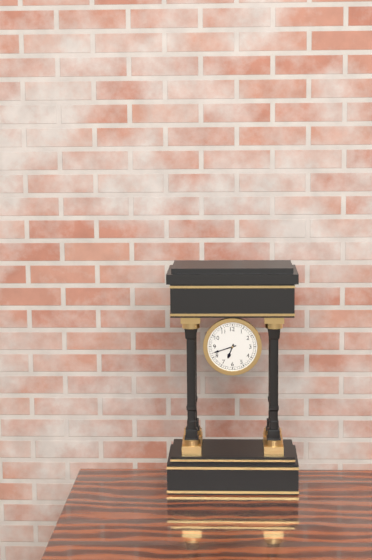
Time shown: 6:42
